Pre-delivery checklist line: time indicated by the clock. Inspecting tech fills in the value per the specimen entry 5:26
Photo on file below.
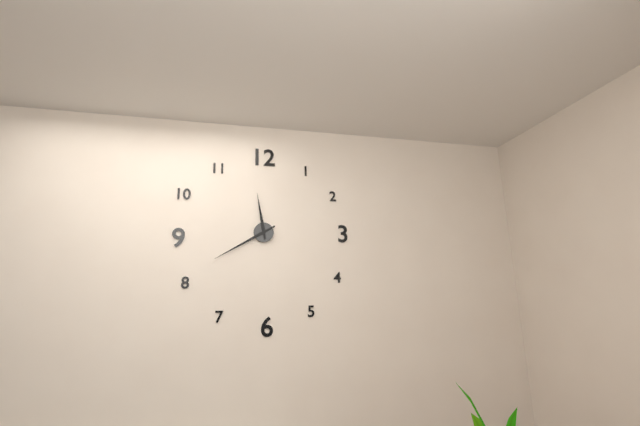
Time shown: 11:40
